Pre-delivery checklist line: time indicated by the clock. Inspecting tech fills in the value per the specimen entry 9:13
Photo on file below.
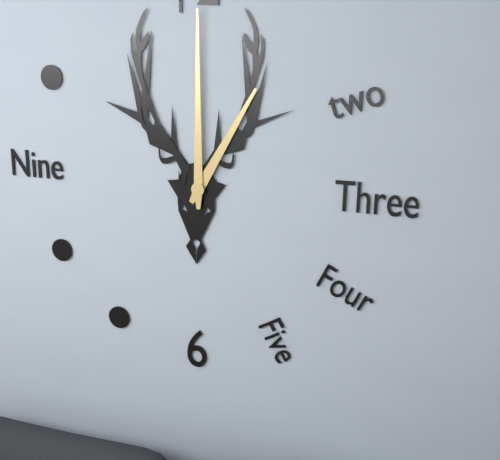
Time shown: 1:00
